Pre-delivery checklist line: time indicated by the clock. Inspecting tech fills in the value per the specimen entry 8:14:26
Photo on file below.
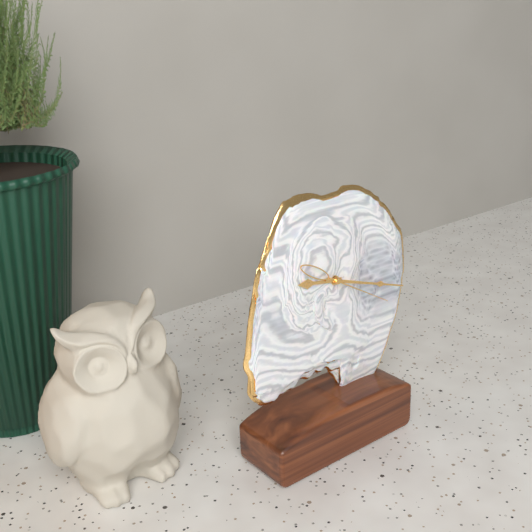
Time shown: 9:18:20
